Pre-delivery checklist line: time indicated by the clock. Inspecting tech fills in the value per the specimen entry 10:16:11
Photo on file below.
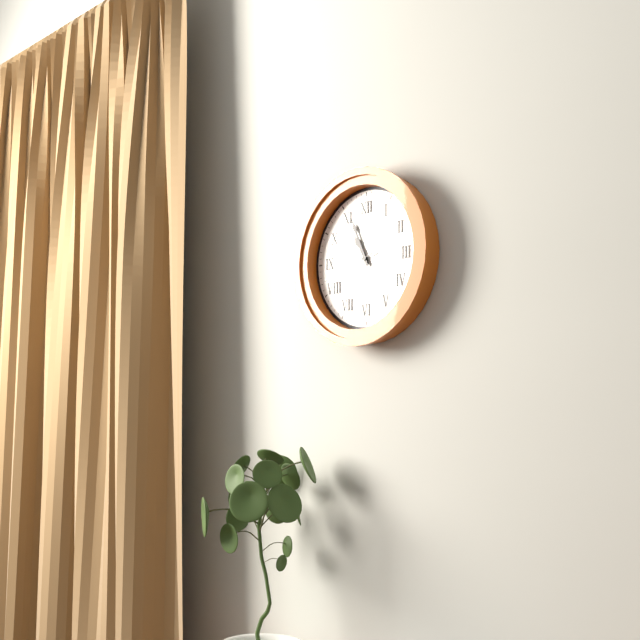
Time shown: 10:56:42
